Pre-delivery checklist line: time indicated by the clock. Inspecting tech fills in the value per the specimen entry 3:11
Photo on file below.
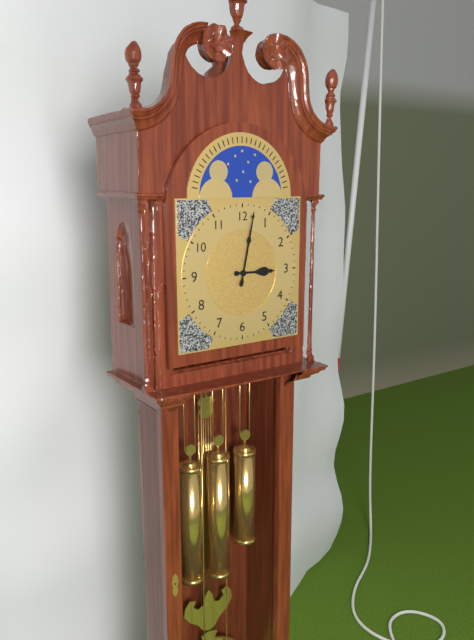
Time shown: 3:02
